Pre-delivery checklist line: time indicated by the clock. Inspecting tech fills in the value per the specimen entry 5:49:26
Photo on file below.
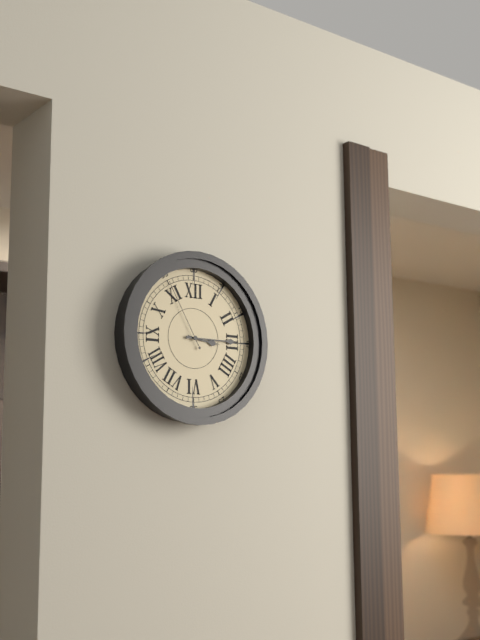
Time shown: 3:15:55
